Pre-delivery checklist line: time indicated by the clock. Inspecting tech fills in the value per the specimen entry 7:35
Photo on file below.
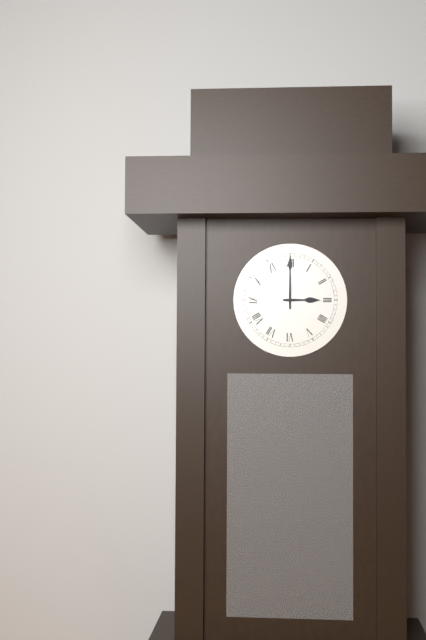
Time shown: 3:00
